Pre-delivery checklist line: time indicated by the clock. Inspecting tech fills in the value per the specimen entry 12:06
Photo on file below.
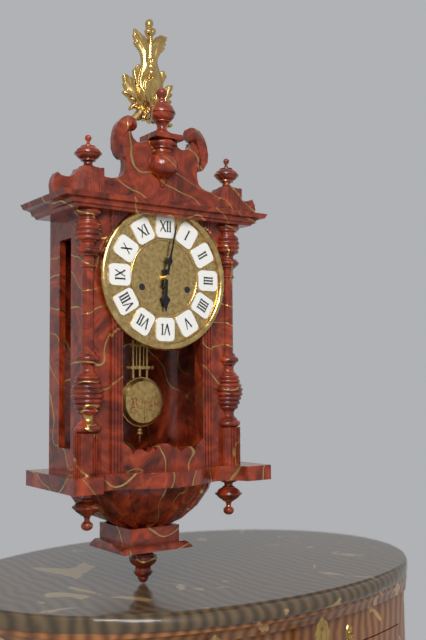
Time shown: 6:02
